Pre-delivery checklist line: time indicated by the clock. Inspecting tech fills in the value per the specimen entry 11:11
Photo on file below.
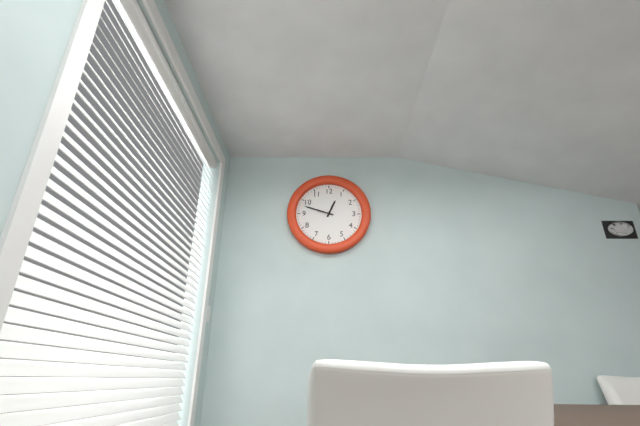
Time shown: 12:48
